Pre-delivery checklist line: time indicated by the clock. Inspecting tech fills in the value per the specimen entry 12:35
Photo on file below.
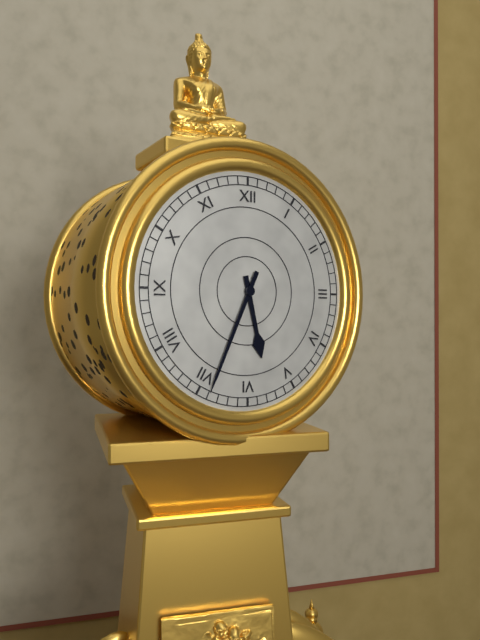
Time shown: 5:34
